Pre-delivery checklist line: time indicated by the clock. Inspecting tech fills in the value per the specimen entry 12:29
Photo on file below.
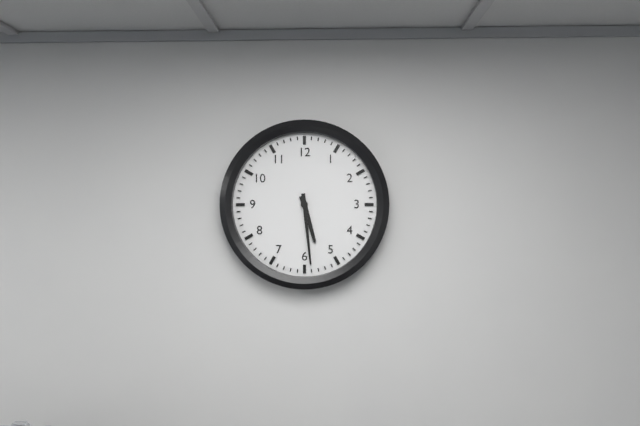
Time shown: 5:29
